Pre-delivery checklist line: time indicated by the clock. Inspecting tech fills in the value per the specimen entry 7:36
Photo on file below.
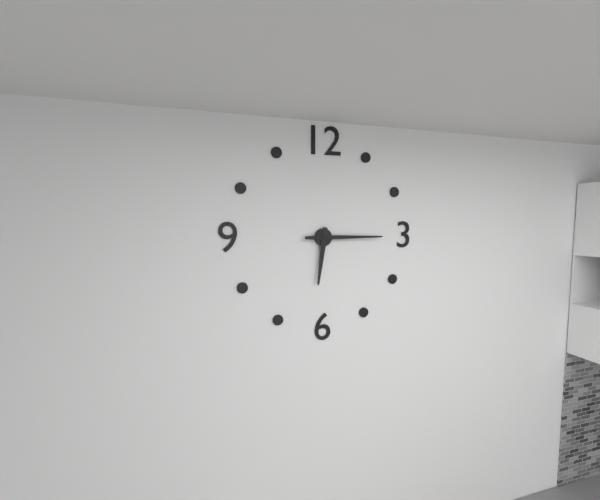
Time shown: 6:15
